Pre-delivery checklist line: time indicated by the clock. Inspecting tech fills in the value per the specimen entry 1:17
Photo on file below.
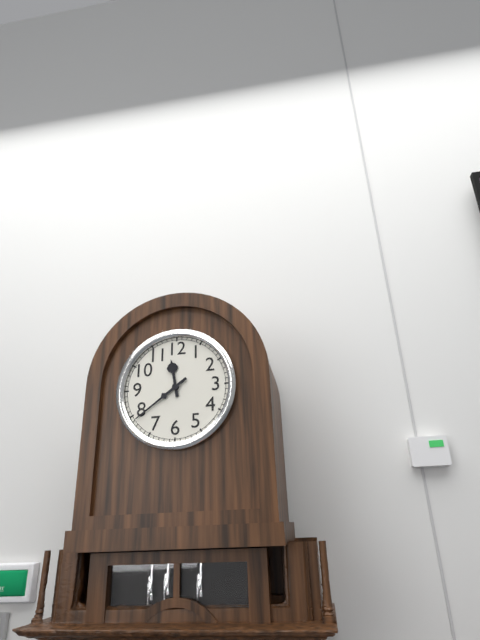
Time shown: 11:39
